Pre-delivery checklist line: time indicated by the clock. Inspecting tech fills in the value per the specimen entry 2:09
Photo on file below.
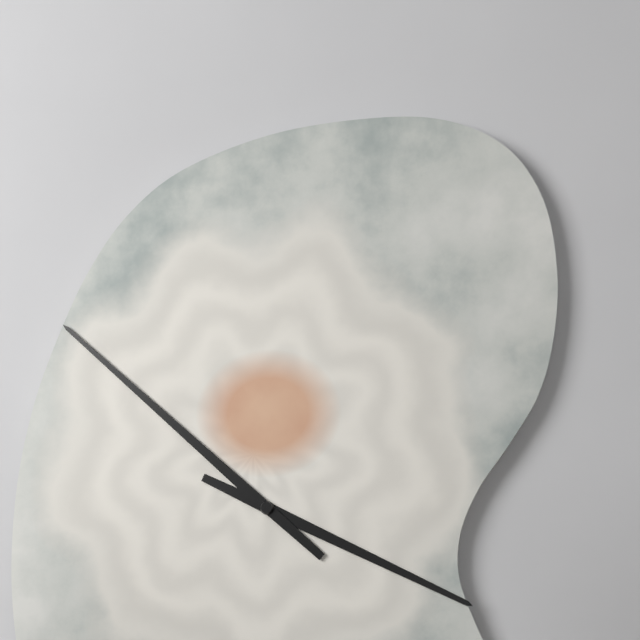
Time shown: 3:52
